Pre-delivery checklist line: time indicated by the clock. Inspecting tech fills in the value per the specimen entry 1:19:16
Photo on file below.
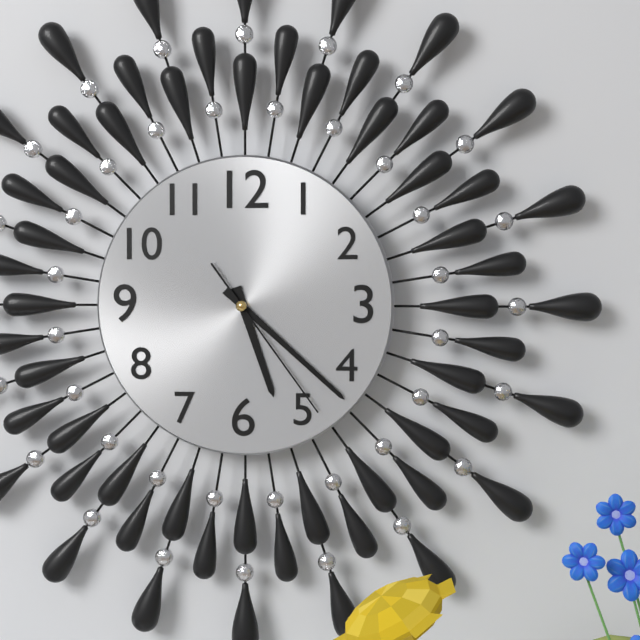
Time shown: 5:22:24
